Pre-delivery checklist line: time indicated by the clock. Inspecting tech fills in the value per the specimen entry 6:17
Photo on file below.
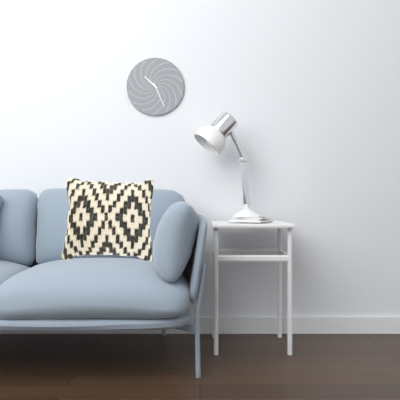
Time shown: 10:26
